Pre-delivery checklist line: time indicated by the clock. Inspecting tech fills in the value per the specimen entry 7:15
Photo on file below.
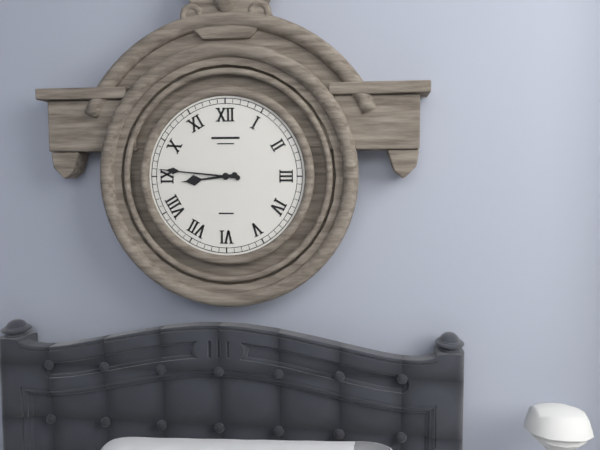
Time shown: 8:46
